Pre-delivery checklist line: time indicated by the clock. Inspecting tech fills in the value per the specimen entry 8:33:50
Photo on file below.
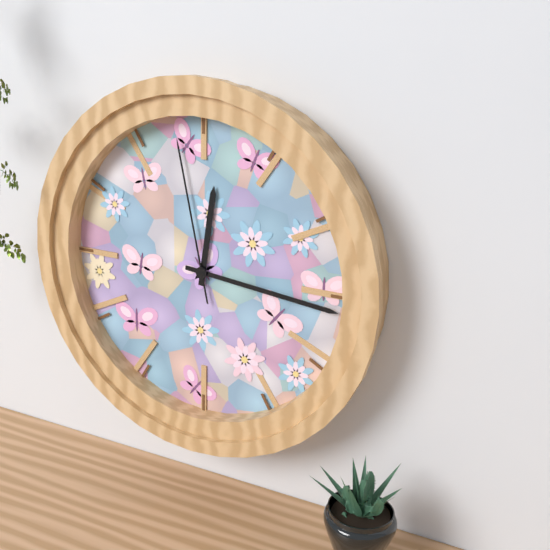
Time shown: 12:16:58
